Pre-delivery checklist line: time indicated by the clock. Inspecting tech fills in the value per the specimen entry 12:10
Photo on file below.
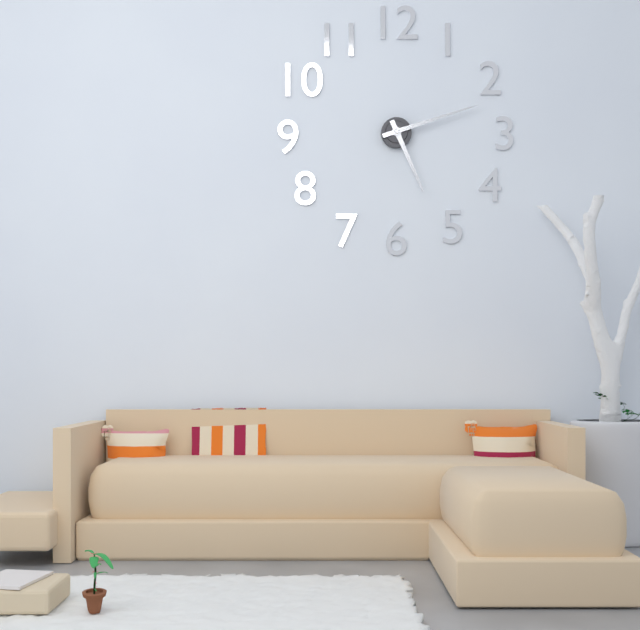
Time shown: 5:12
